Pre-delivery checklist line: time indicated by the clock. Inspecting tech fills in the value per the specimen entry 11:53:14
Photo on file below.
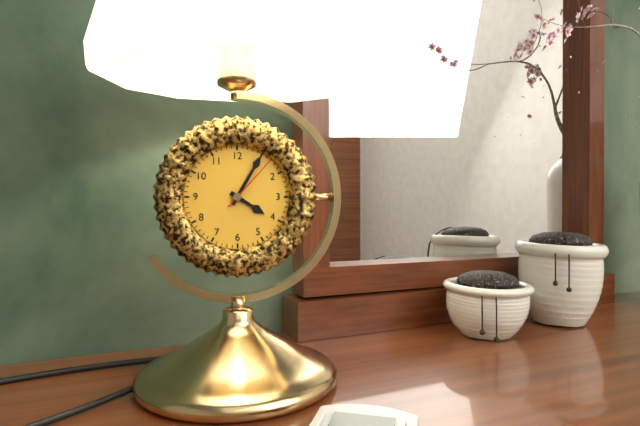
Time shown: 4:05:07
